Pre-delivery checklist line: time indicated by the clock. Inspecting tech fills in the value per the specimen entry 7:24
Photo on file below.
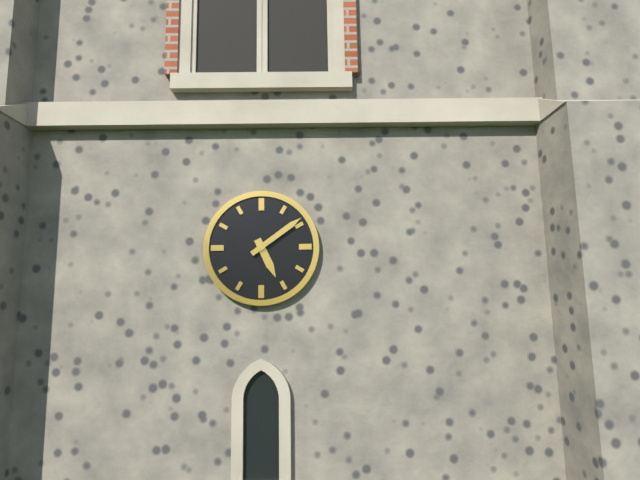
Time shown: 5:09
